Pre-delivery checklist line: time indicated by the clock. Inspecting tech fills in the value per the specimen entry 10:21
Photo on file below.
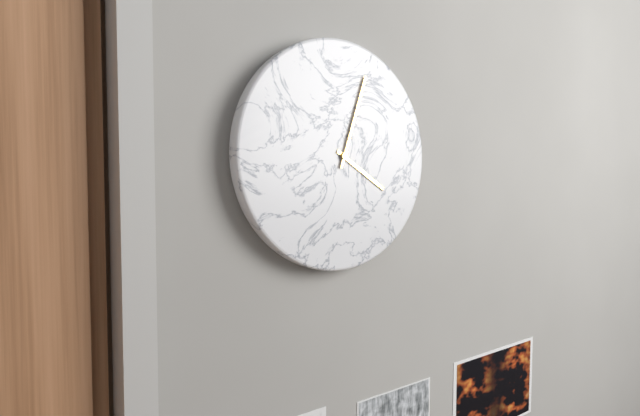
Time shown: 4:03
